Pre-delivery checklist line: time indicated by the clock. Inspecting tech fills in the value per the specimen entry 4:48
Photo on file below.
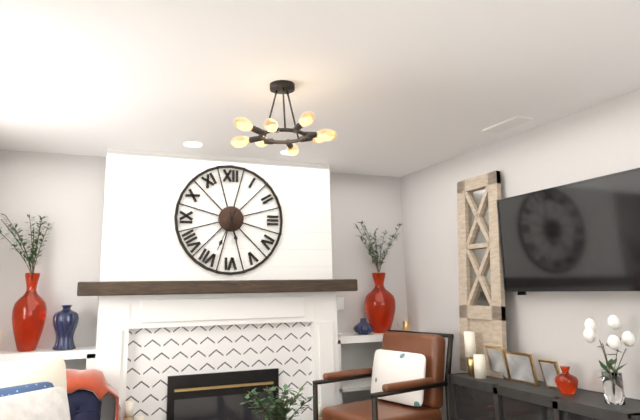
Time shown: 5:34
